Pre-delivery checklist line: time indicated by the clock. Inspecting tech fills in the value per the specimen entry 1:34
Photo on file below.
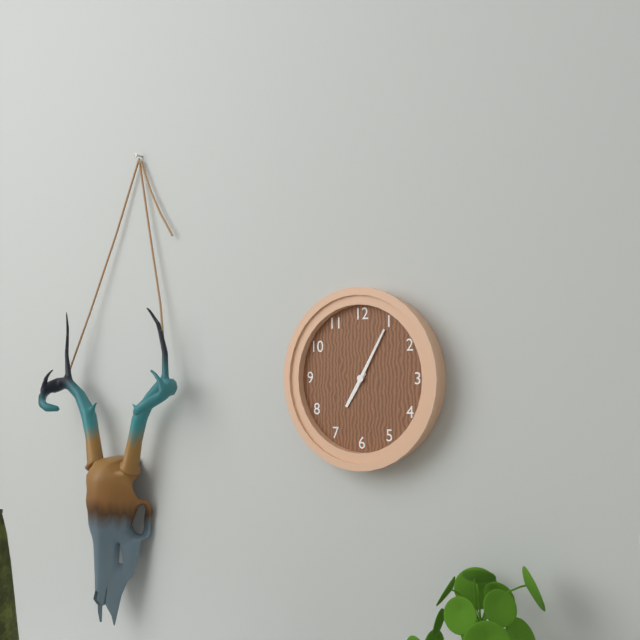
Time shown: 7:05
